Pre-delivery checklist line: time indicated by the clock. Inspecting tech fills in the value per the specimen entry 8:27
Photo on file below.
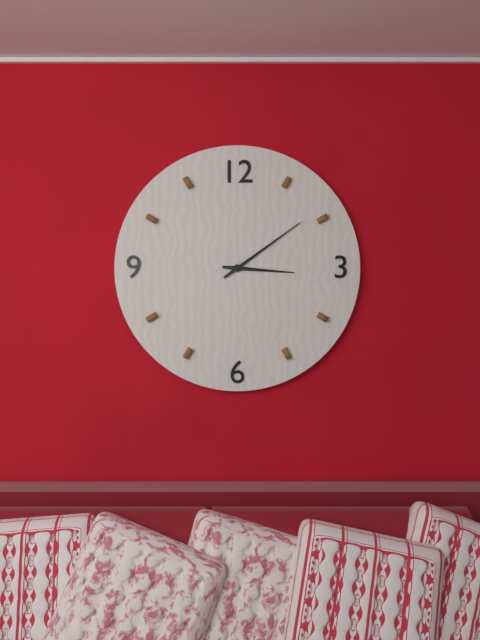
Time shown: 3:09
